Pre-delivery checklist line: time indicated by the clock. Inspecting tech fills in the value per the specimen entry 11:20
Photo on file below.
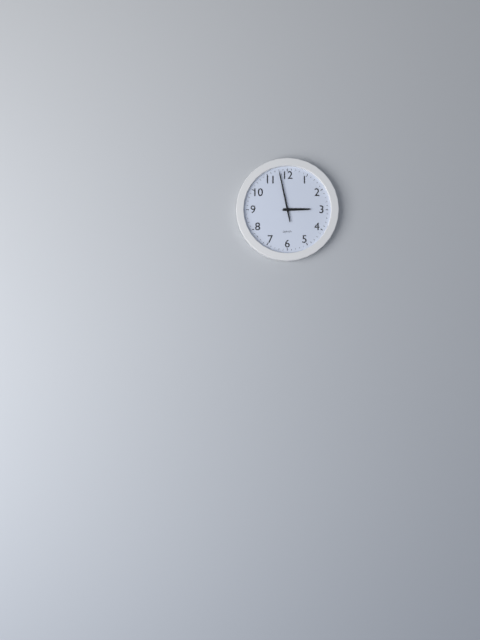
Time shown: 2:58
